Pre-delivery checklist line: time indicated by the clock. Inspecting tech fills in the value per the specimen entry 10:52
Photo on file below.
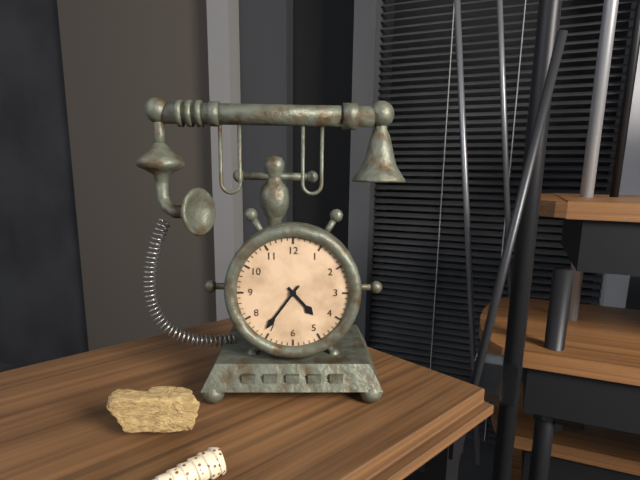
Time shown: 4:36
